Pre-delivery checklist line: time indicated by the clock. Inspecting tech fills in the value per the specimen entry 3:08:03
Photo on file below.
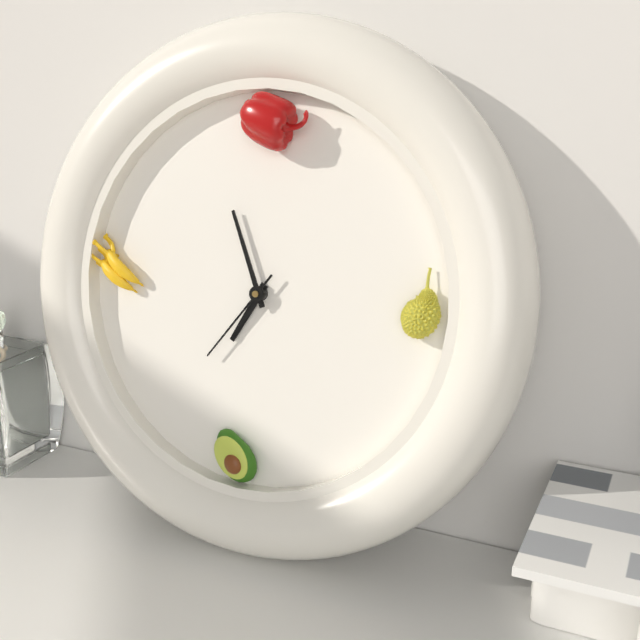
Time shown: 6:56:36
